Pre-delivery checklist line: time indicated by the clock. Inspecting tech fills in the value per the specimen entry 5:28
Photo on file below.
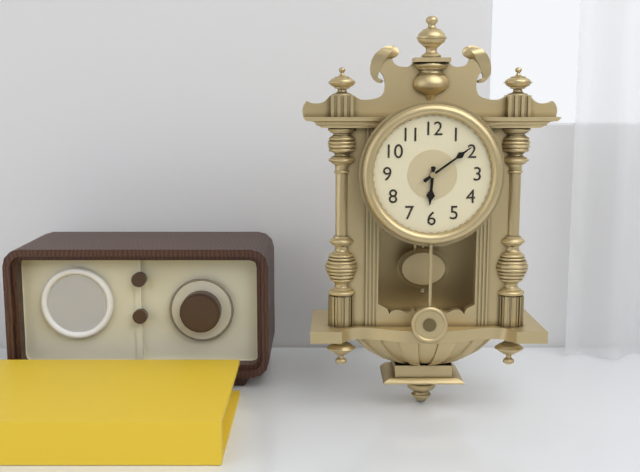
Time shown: 6:09
